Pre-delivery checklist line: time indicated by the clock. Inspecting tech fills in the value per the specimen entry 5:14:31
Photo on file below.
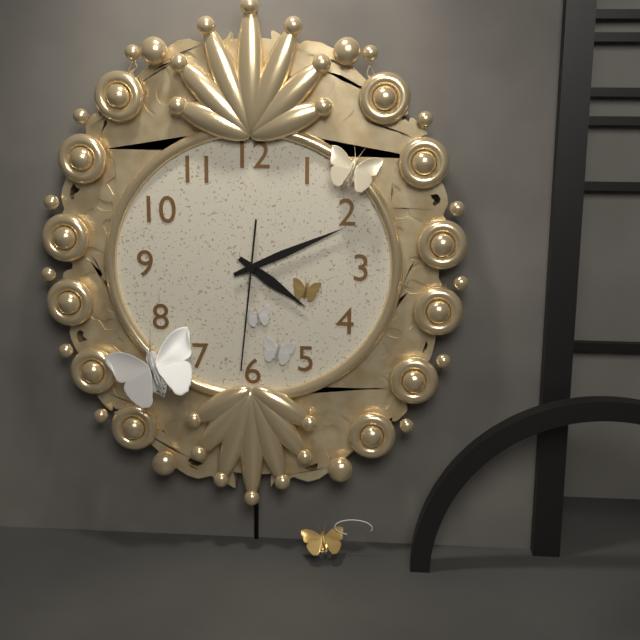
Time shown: 4:11:31
